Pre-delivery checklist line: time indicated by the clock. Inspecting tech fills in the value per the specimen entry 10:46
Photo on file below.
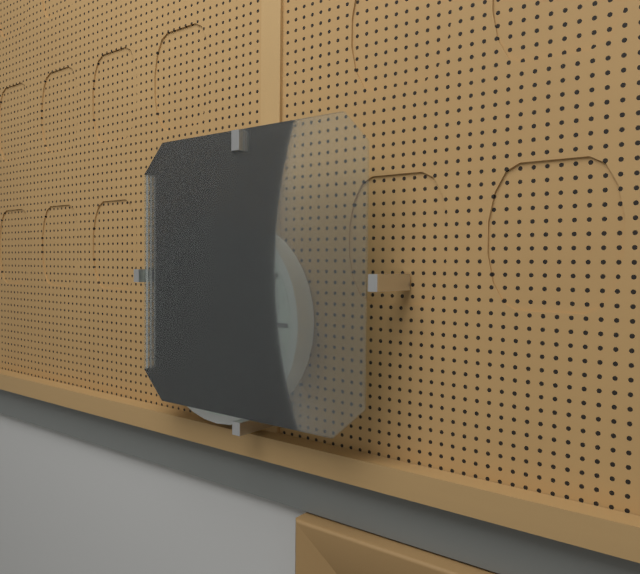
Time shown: 10:38
